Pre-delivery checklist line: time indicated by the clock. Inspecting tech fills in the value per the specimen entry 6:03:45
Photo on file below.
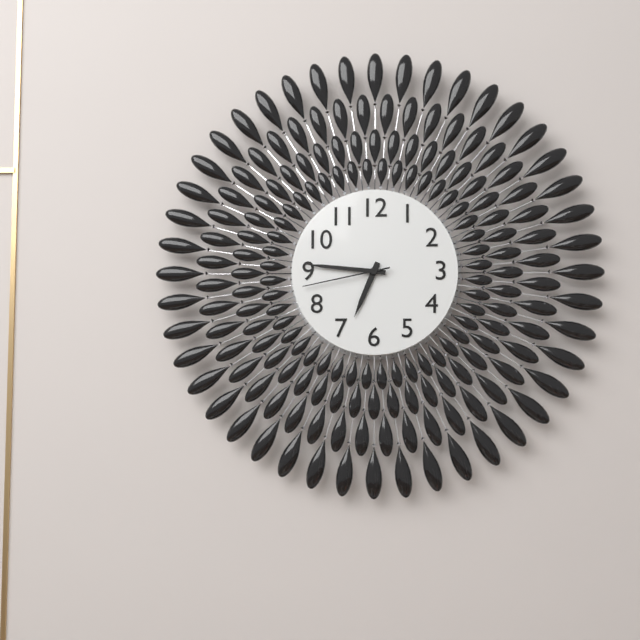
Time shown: 6:46:43
